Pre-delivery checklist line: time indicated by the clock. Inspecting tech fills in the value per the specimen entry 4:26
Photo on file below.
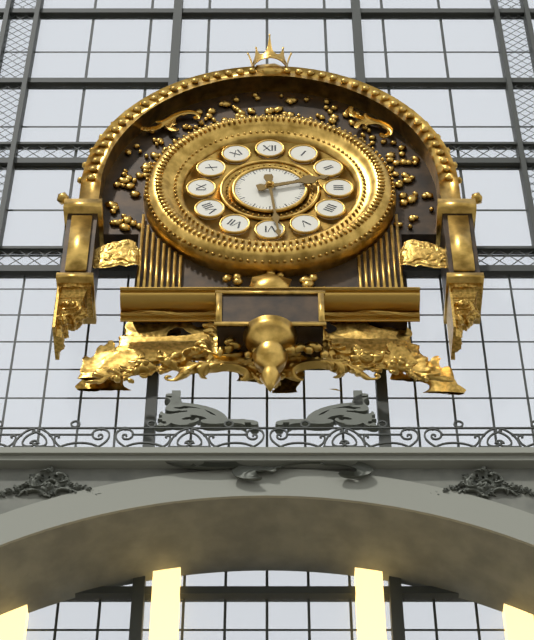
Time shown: 2:29
